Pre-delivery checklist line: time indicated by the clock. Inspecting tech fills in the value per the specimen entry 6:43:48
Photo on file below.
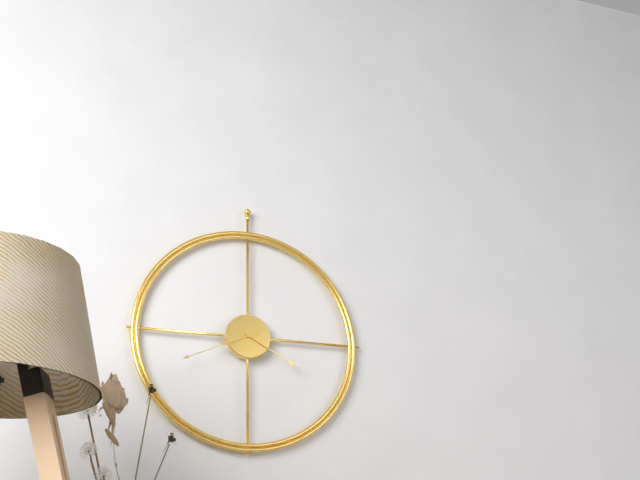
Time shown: 8:20:41
